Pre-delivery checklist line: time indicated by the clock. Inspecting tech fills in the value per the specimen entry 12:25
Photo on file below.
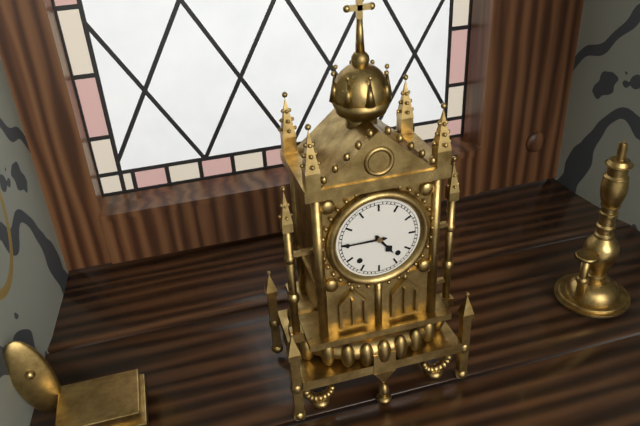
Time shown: 4:45
